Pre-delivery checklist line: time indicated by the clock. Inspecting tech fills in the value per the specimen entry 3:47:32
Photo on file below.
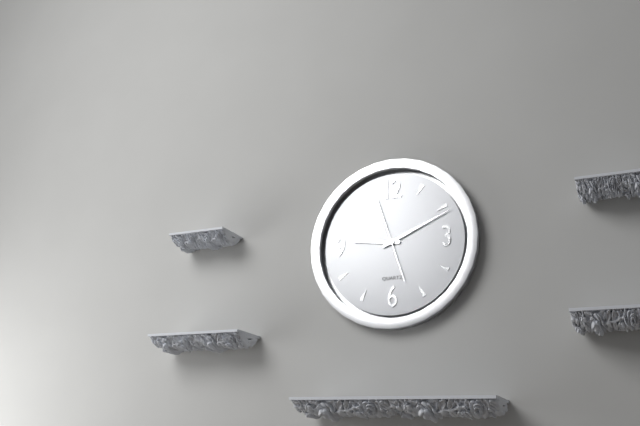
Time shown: 9:11:57
